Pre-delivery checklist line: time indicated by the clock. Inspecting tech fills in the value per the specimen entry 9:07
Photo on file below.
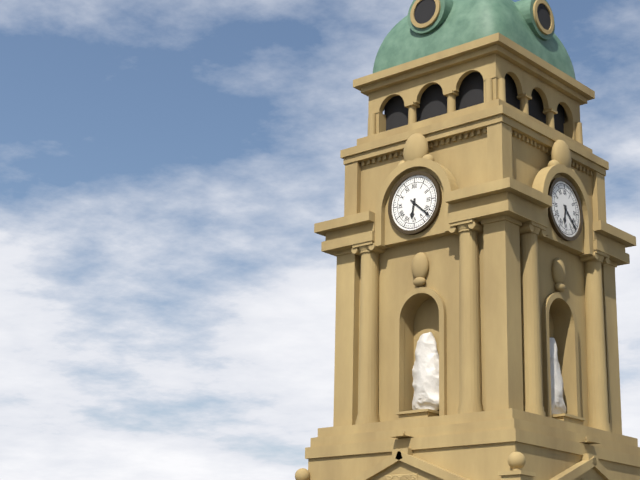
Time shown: 6:22
